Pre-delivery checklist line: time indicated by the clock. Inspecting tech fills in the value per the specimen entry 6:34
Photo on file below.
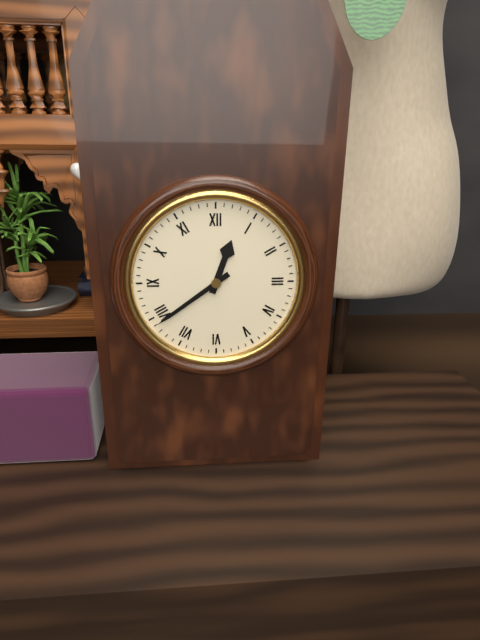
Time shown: 12:39
